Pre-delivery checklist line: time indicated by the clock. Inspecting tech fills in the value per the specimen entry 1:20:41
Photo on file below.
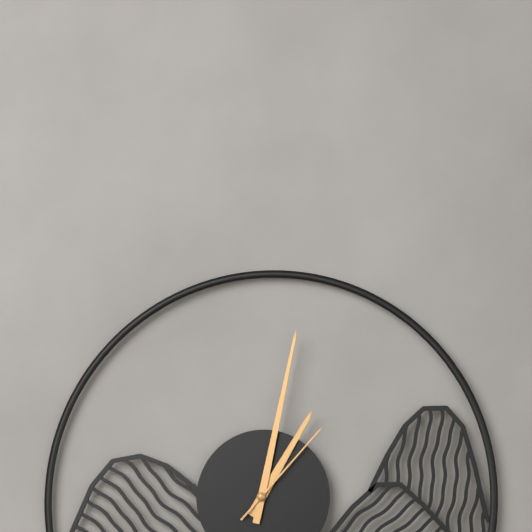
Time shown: 1:02:07
